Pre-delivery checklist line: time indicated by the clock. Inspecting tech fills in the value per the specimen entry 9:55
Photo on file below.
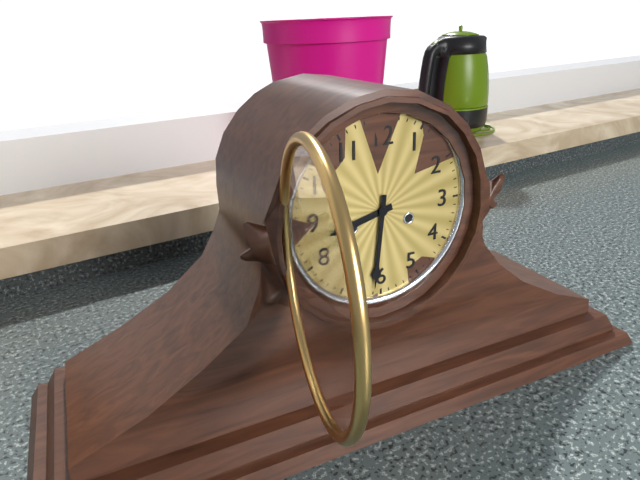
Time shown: 8:31
